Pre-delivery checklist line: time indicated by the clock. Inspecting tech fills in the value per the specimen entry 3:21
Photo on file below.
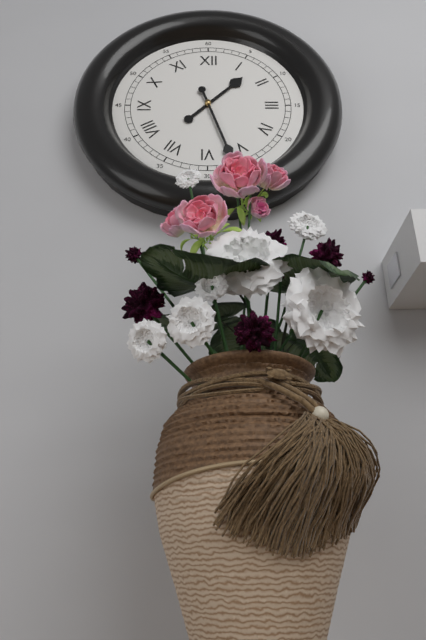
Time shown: 1:27
